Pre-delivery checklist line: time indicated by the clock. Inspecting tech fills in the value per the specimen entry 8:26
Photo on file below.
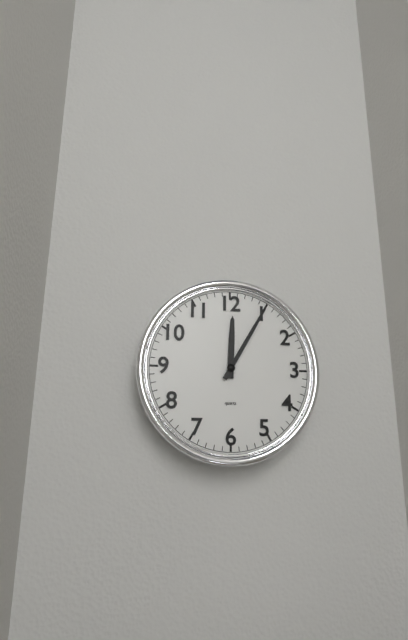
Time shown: 12:05
